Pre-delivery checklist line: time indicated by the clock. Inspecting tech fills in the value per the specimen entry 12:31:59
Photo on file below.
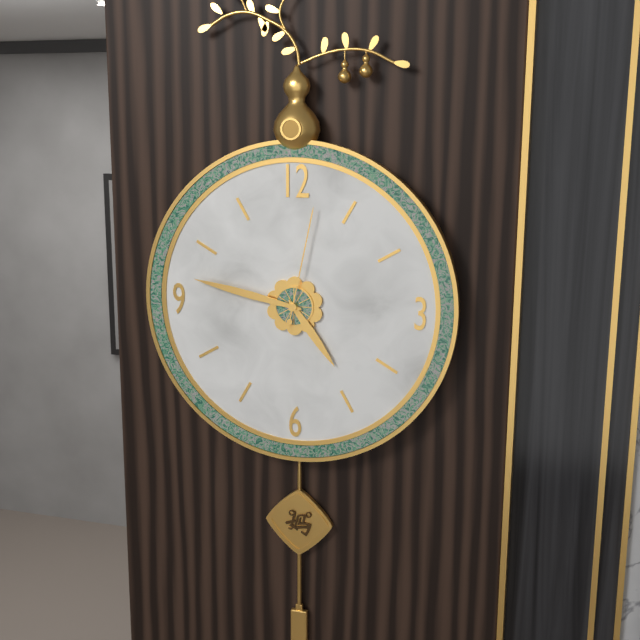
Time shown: 4:47:02
